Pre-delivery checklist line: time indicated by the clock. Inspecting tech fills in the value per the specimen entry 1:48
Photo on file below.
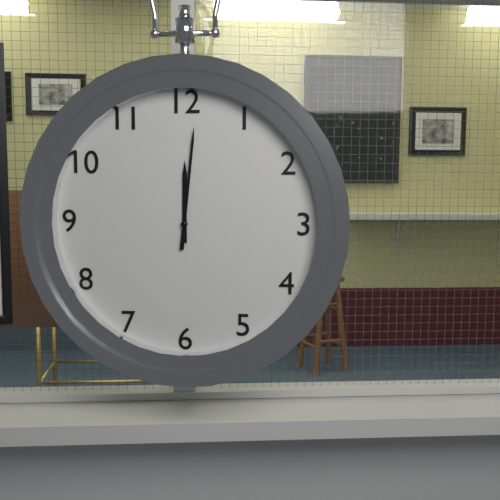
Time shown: 12:01
